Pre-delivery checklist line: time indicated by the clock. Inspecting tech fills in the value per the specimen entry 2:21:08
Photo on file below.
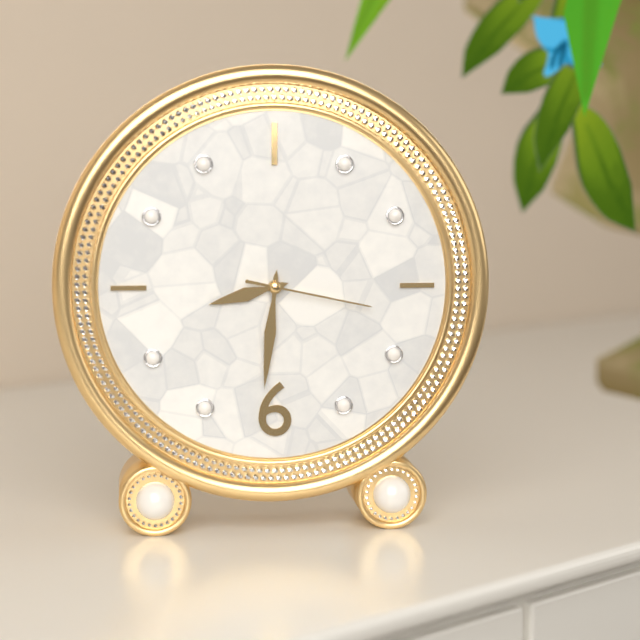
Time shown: 8:31:17
